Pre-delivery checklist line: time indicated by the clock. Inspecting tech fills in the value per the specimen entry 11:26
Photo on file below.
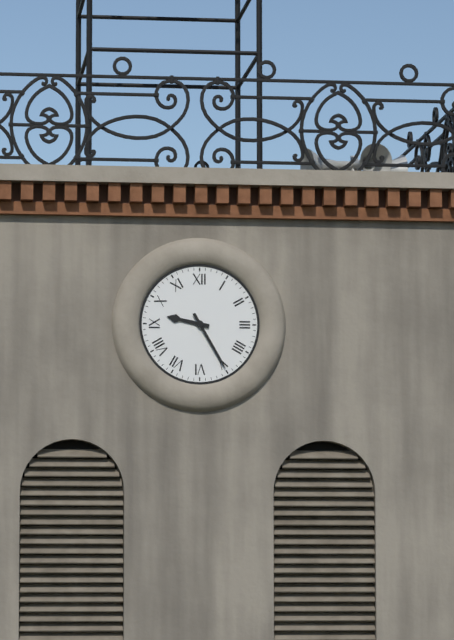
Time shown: 9:25
